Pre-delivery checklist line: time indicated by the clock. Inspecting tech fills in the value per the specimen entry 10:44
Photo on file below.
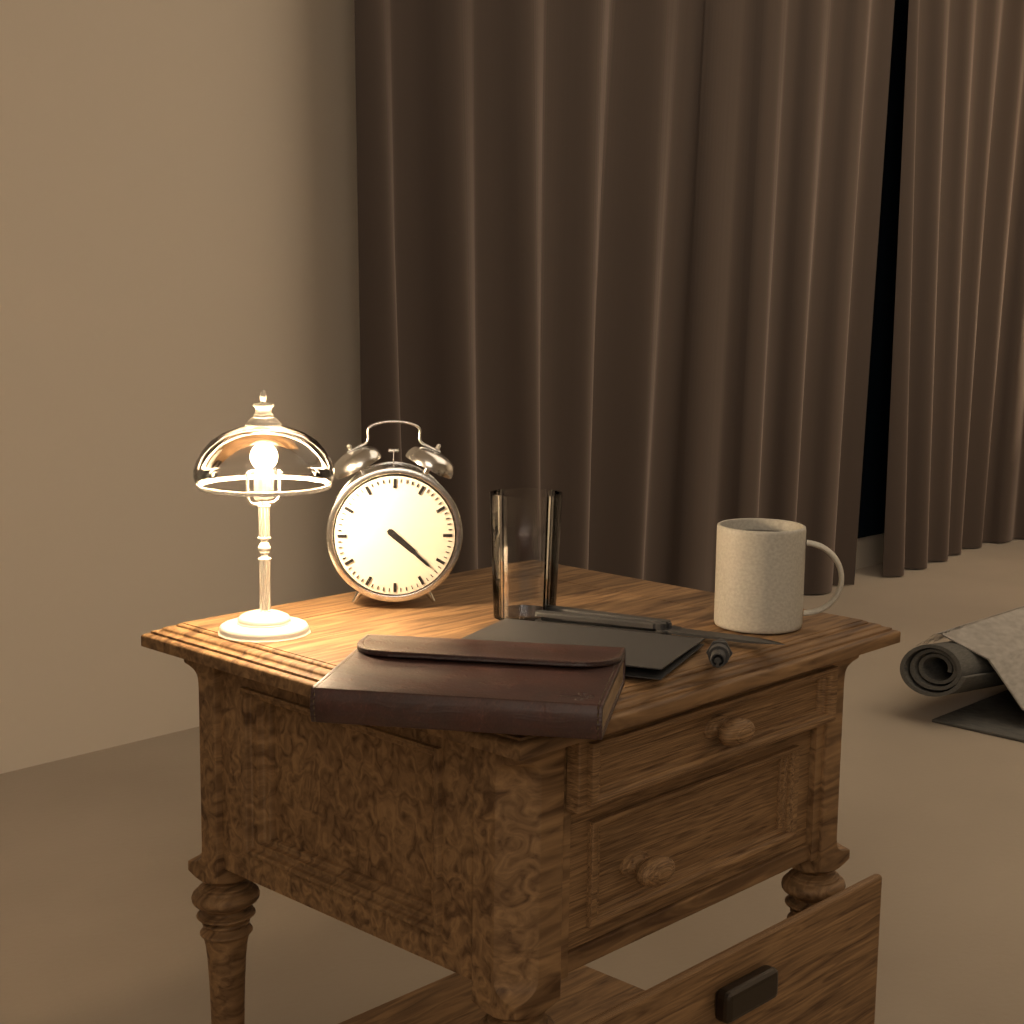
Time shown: 4:22
